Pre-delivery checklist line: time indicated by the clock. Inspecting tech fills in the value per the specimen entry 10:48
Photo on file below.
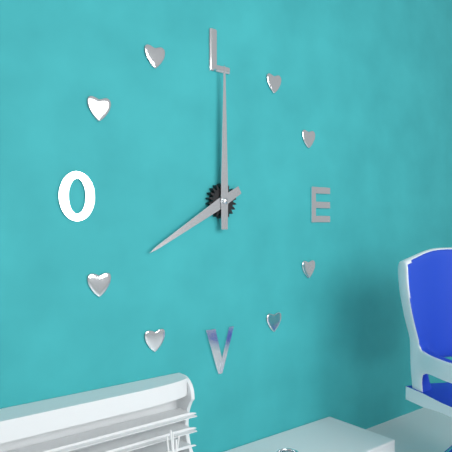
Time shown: 8:00
